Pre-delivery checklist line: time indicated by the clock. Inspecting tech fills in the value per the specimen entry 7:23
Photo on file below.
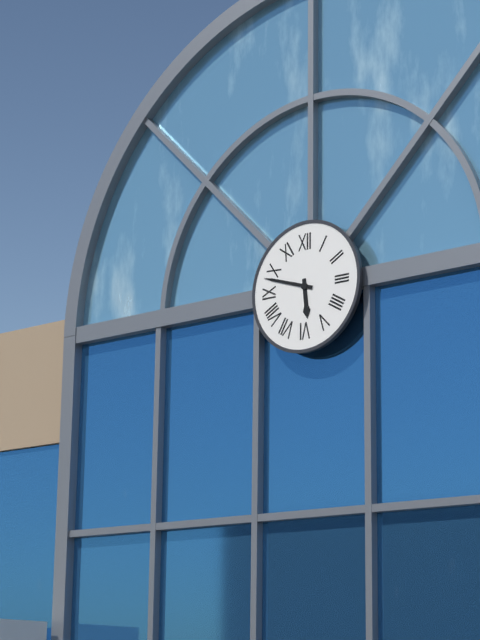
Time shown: 5:48
